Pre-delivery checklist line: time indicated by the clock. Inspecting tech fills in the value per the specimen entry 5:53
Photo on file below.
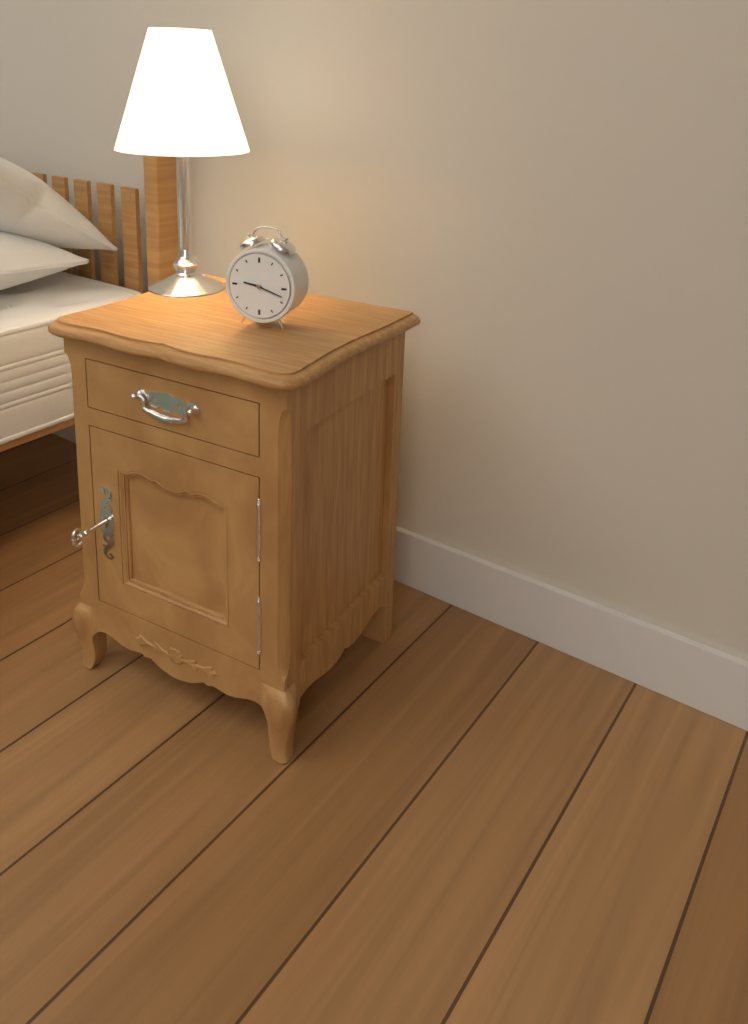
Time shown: 9:18
